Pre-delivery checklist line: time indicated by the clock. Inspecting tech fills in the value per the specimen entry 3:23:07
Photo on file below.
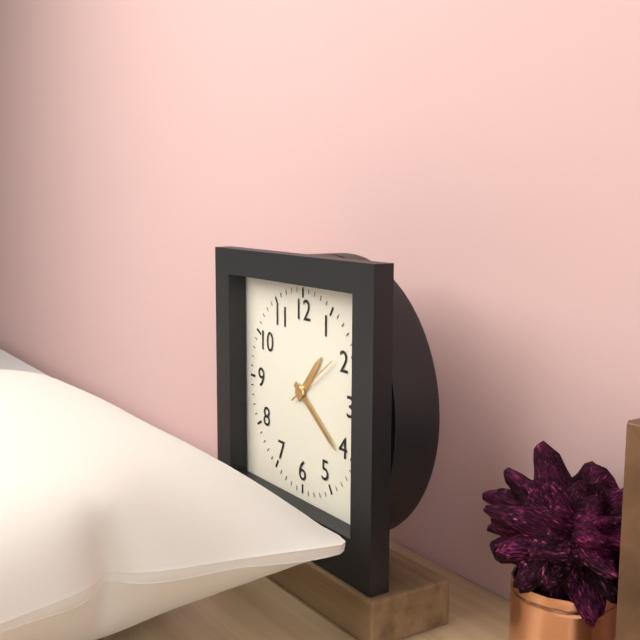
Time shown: 1:21:09
